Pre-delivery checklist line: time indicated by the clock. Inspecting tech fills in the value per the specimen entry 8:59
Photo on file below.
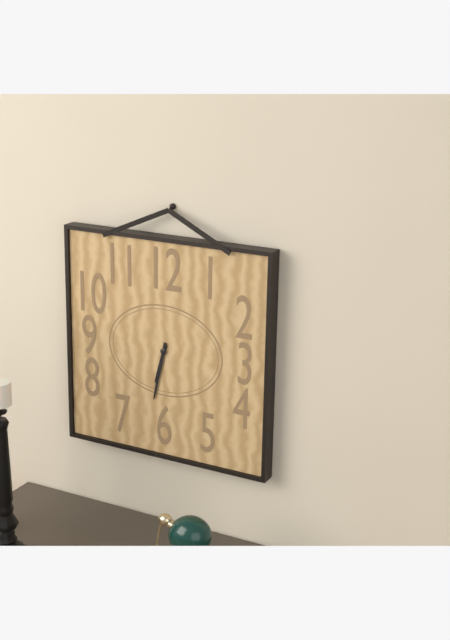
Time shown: 6:32
